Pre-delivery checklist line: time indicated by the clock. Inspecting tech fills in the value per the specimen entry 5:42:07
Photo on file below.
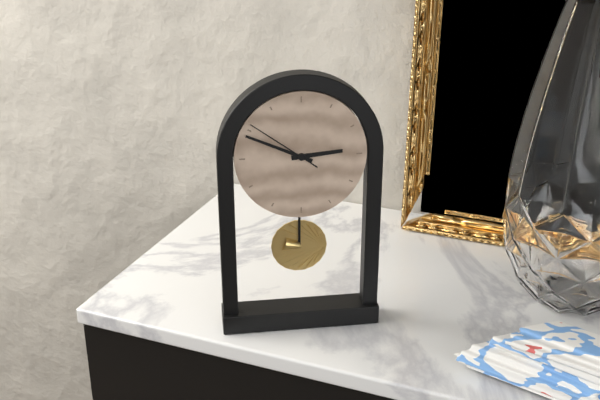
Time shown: 2:49:51
